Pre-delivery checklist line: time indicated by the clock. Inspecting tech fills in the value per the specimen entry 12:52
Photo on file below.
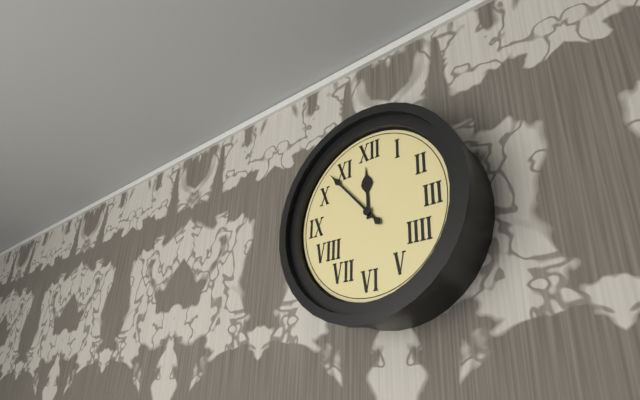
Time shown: 11:53
